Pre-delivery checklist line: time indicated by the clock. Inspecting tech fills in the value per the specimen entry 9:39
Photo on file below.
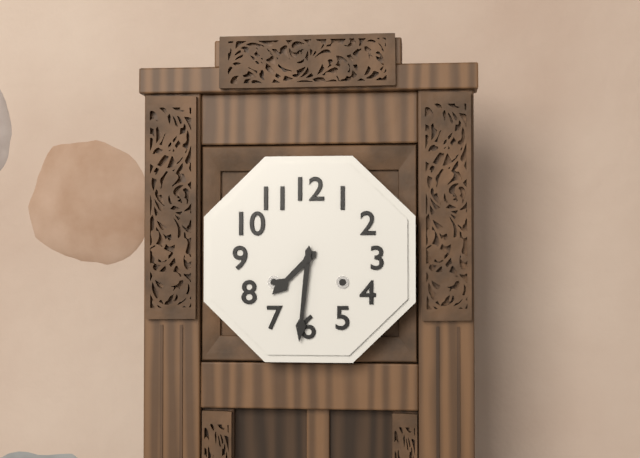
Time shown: 7:31
